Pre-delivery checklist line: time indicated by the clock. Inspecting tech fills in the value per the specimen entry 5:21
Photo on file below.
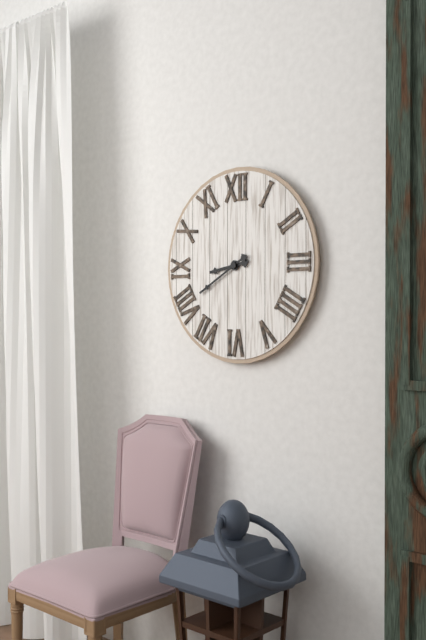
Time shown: 8:40
